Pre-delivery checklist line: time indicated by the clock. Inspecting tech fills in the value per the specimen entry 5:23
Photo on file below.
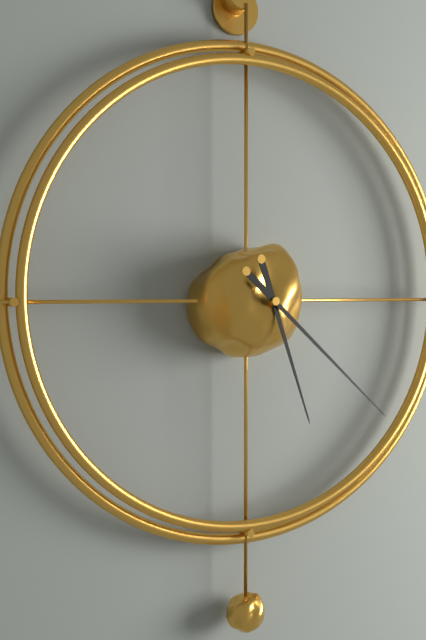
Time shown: 5:22
